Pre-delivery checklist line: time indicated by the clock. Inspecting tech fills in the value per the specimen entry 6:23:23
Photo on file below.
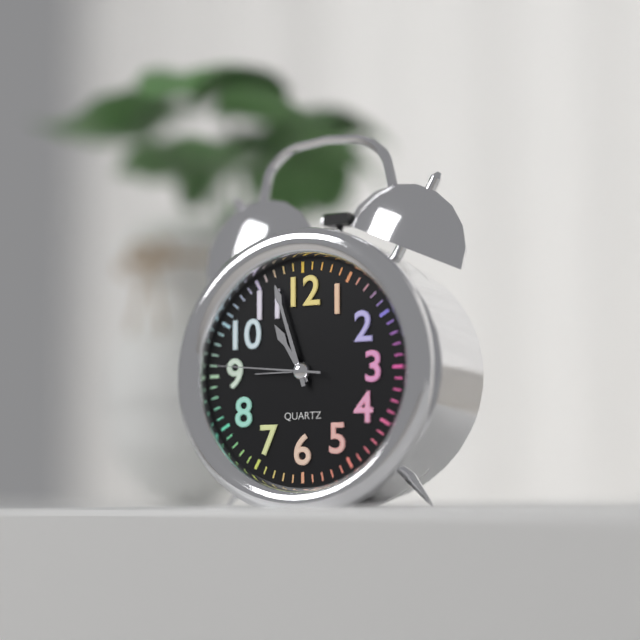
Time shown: 10:57:46
